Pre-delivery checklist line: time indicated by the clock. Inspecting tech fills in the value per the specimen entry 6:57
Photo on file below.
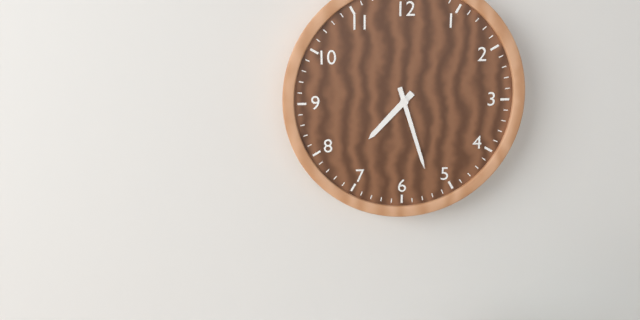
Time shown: 7:27
